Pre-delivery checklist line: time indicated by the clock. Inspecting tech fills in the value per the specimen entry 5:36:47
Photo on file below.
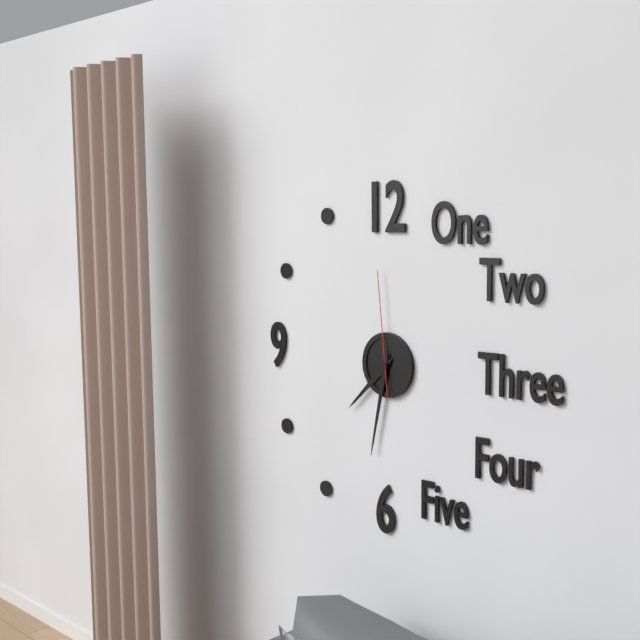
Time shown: 7:32:59
